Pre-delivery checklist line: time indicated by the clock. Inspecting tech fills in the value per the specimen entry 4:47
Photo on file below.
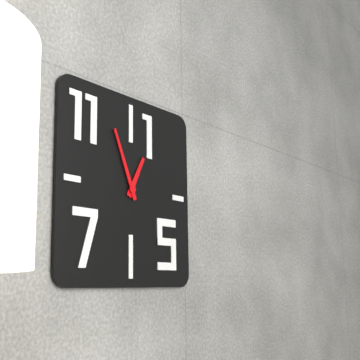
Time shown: 12:56
